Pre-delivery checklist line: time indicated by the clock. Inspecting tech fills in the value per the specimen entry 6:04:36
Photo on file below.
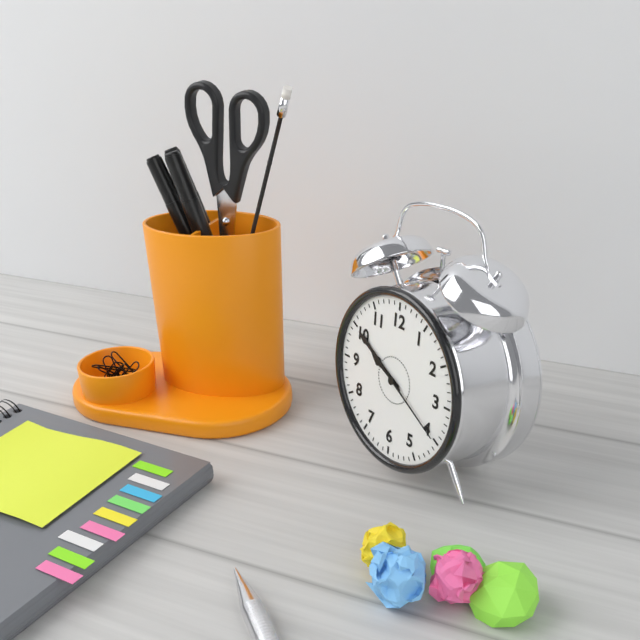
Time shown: 9:50:20
